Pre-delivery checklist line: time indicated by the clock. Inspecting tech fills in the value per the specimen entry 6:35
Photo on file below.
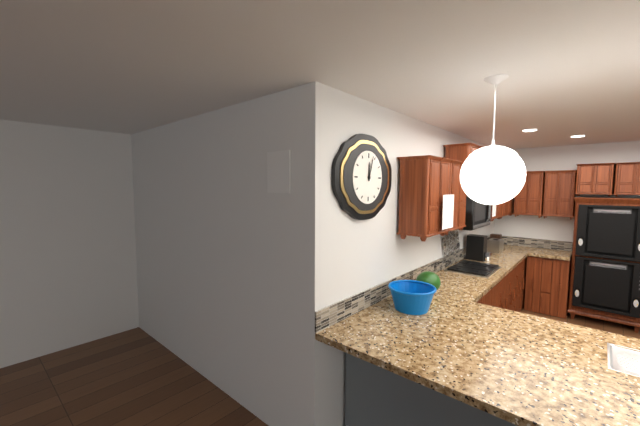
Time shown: 12:03
